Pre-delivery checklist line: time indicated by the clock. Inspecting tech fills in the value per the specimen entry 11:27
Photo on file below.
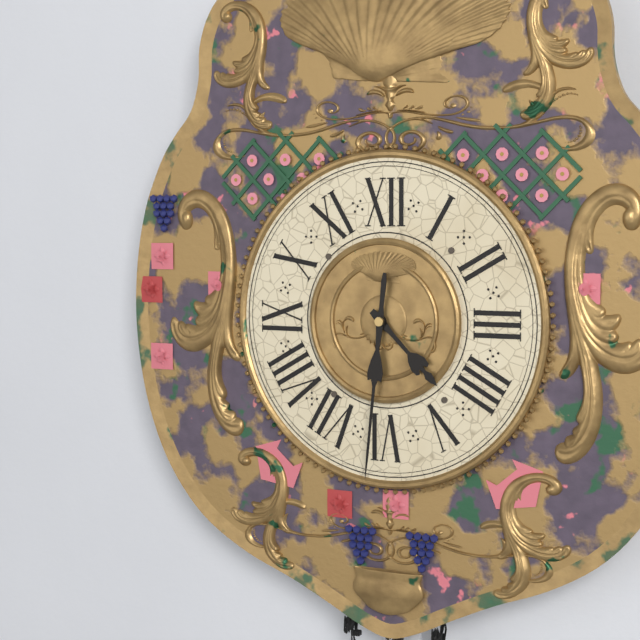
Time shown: 4:31
